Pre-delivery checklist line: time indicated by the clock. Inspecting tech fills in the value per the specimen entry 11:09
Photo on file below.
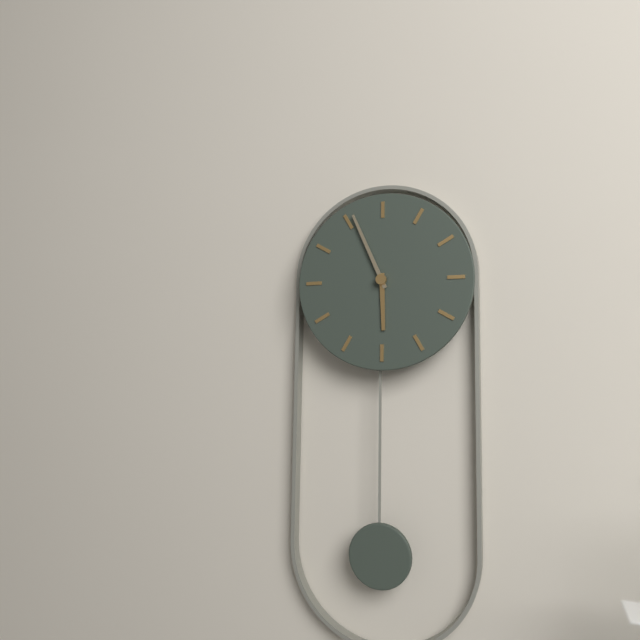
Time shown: 5:56
